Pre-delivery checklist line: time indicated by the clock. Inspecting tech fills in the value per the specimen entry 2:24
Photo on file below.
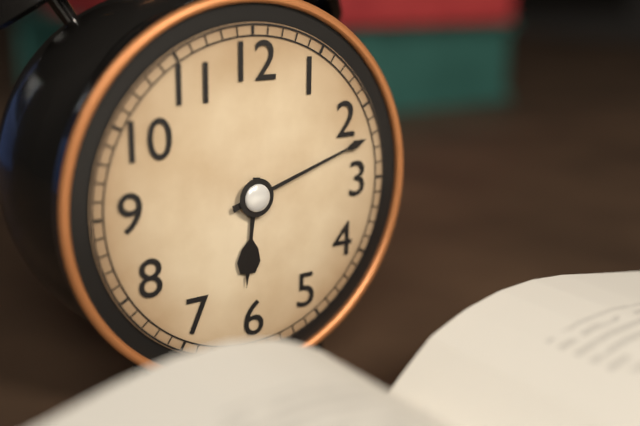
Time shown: 6:12
